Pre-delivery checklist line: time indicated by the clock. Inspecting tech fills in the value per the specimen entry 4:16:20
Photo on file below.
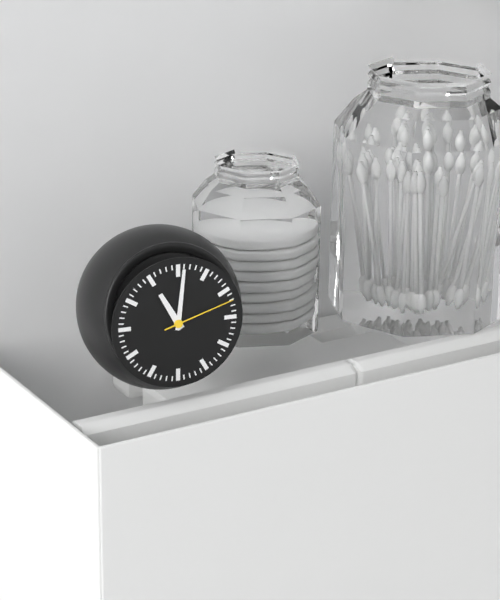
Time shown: 11:01:12
